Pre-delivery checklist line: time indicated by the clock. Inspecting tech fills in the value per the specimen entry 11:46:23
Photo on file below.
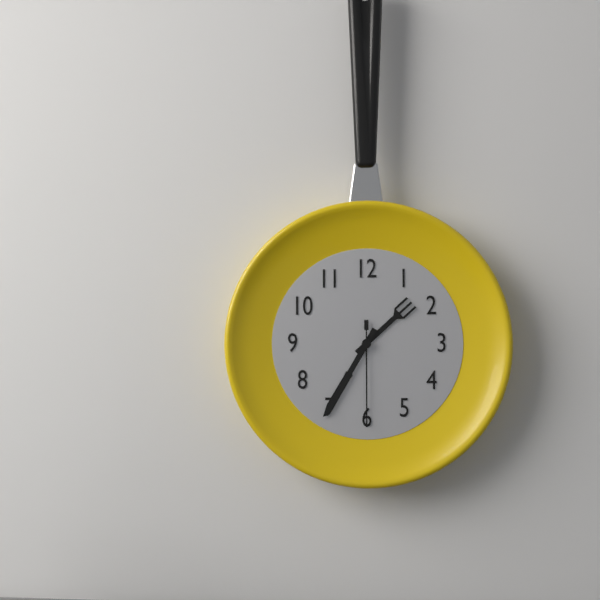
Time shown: 1:35:30
